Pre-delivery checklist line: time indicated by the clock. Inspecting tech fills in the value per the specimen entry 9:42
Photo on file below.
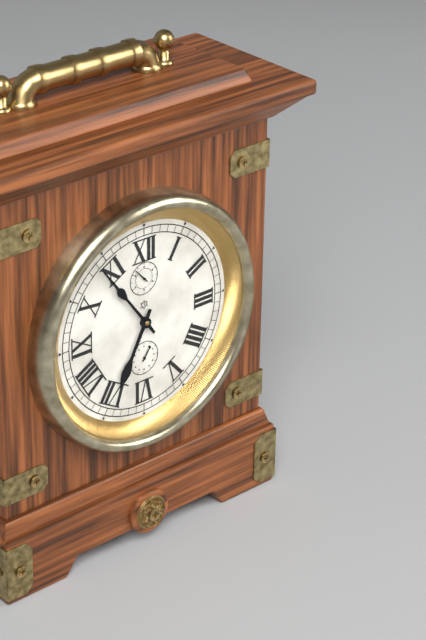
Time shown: 6:54
